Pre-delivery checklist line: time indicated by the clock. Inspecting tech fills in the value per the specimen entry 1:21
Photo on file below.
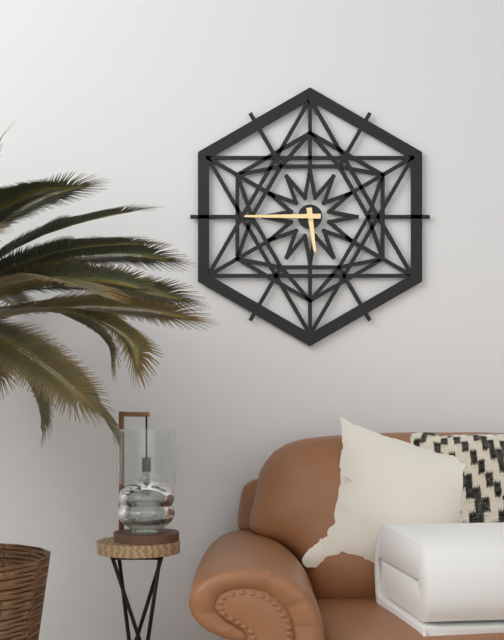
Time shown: 5:45
